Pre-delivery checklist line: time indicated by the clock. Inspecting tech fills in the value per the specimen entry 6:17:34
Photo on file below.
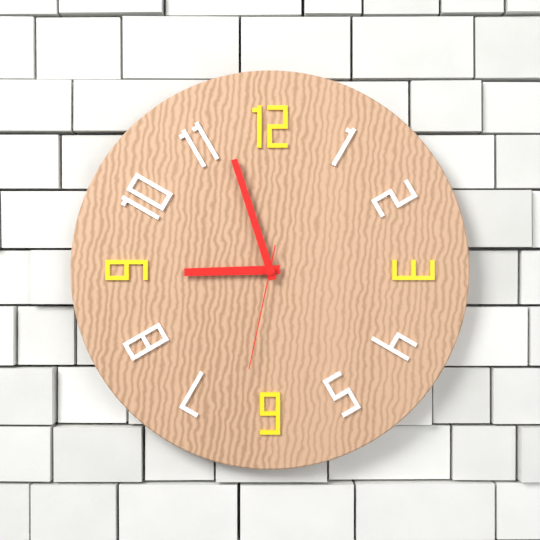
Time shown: 8:57:32
